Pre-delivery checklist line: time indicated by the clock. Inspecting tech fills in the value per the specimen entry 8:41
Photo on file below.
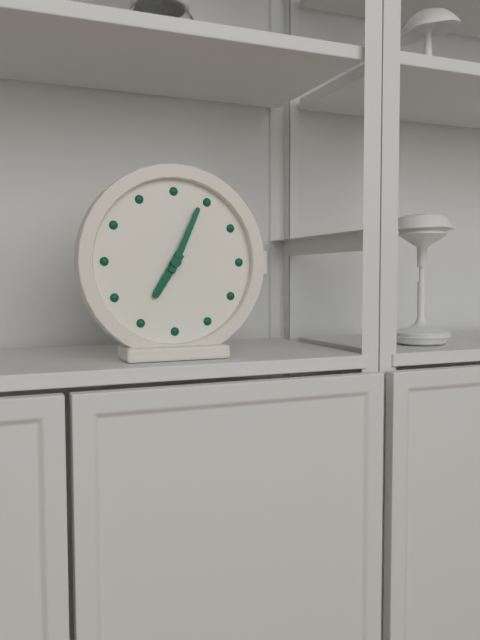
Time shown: 7:04
